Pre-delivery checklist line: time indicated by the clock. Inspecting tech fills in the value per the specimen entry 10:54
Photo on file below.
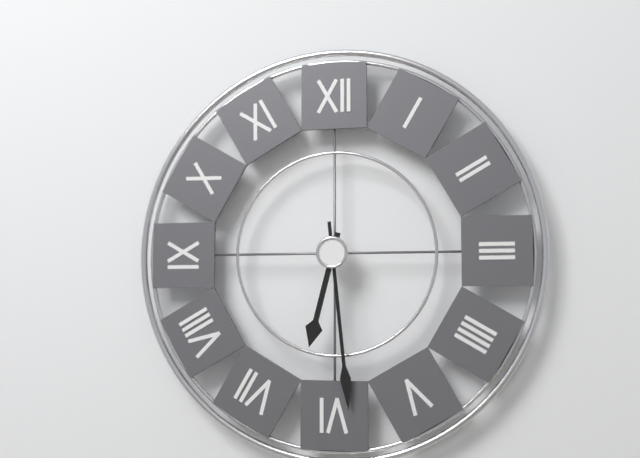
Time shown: 6:29
